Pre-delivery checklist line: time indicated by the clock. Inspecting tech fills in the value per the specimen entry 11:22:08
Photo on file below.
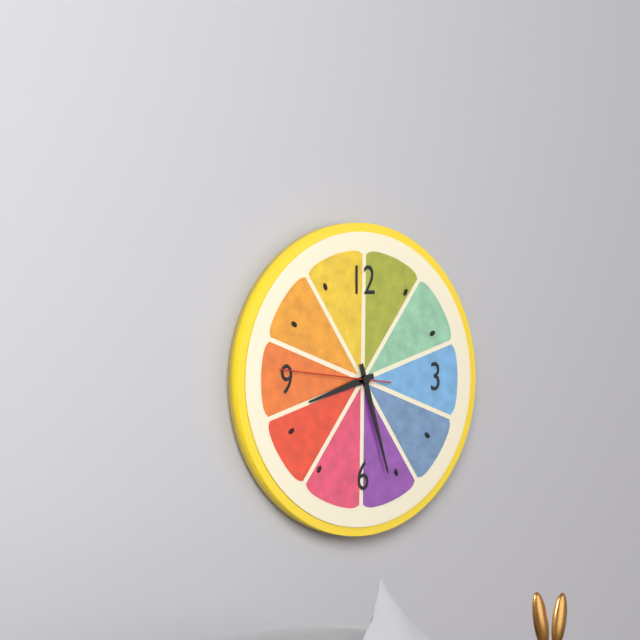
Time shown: 8:27:46
